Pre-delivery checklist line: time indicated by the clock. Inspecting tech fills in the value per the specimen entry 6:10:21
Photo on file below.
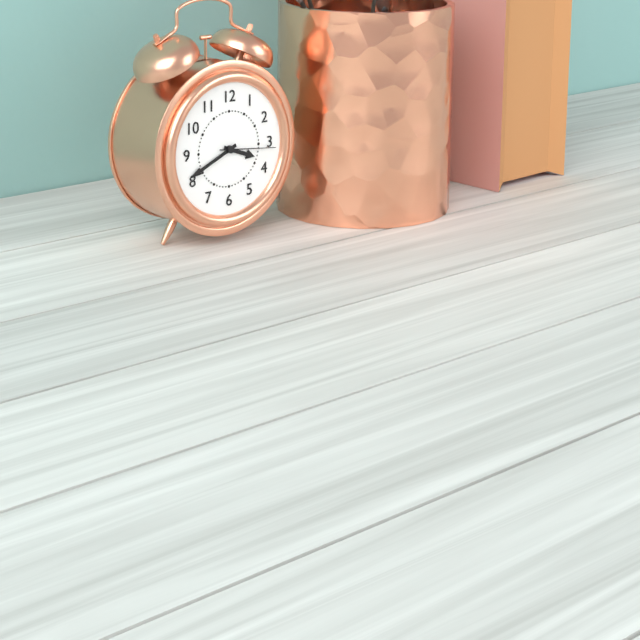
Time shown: 3:41:16
